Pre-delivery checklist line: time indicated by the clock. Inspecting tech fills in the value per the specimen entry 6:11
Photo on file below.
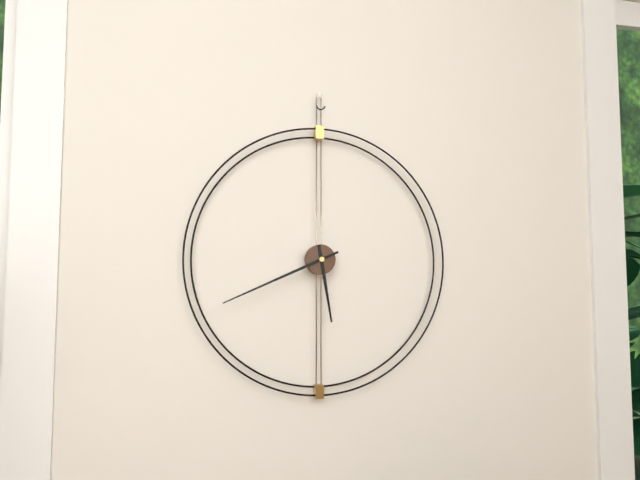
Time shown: 5:41
